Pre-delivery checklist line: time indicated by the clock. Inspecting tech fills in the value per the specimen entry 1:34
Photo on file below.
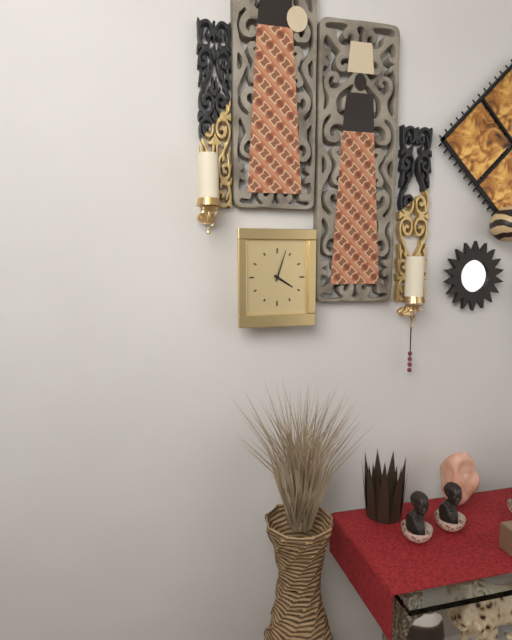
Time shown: 4:03
